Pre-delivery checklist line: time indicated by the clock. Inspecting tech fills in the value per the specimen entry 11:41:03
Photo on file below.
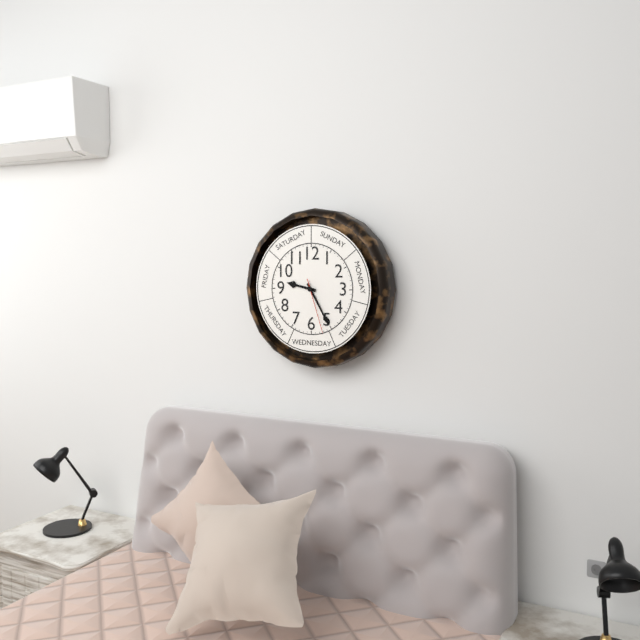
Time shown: 9:25:27
